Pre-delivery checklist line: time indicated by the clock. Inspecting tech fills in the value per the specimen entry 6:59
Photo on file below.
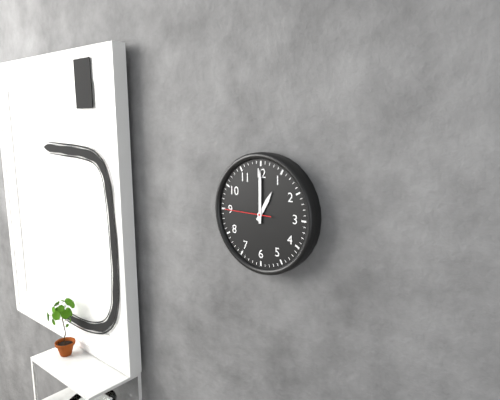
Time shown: 1:00
